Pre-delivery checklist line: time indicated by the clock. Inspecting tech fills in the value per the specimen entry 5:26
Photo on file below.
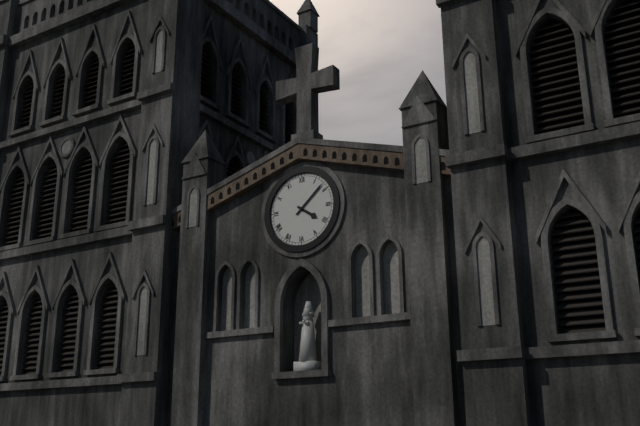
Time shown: 4:08
